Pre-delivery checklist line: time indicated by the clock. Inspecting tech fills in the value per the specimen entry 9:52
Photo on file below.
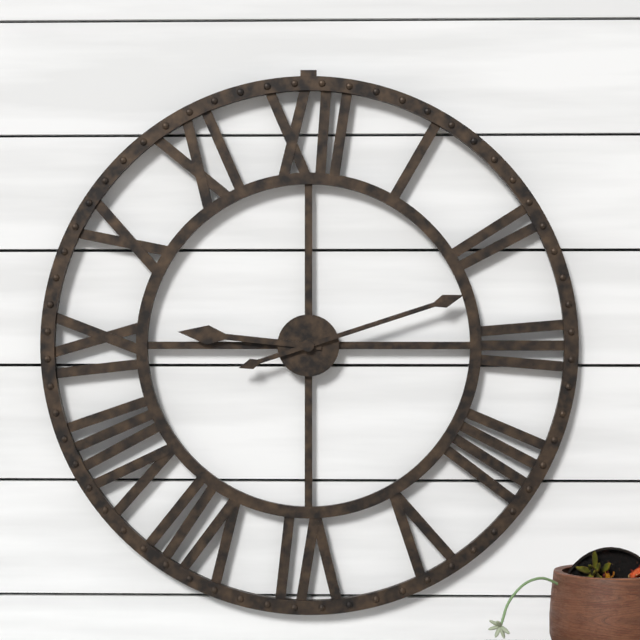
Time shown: 9:12
